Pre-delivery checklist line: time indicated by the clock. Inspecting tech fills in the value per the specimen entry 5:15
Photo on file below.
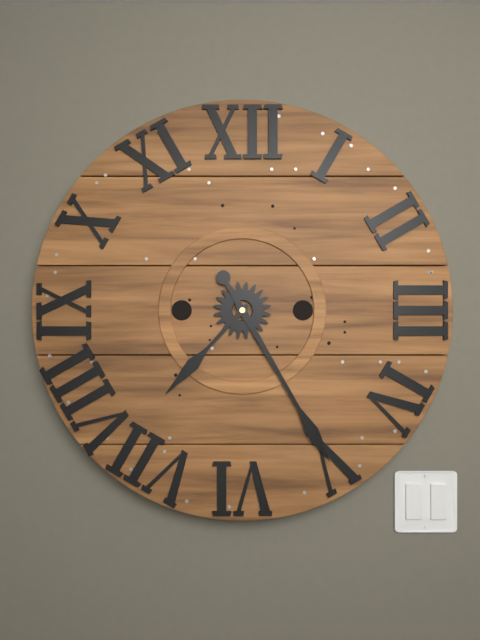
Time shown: 7:25
